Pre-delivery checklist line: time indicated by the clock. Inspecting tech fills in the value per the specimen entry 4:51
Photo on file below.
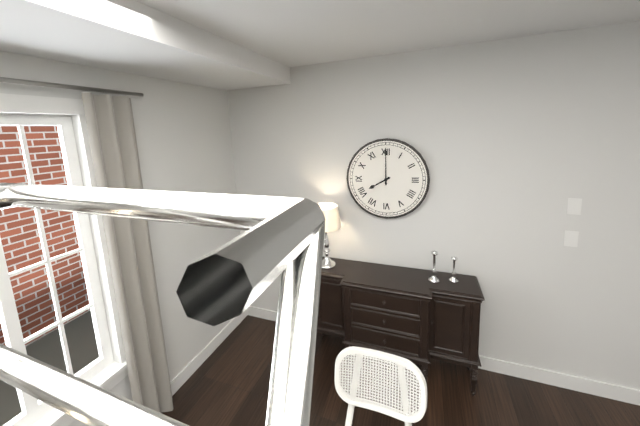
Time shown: 8:00
